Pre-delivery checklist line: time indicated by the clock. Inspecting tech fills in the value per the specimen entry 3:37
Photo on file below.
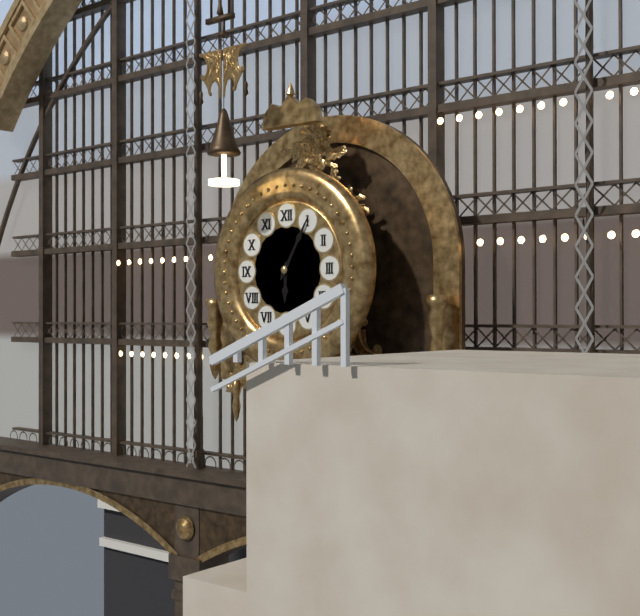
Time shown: 6:05
